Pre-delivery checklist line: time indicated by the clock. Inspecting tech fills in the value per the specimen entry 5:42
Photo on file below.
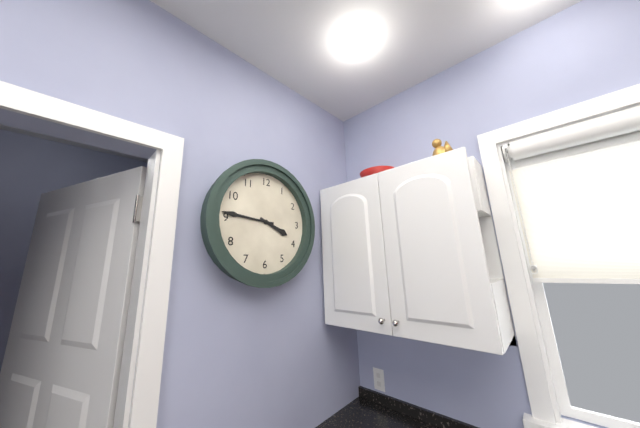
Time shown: 3:46
